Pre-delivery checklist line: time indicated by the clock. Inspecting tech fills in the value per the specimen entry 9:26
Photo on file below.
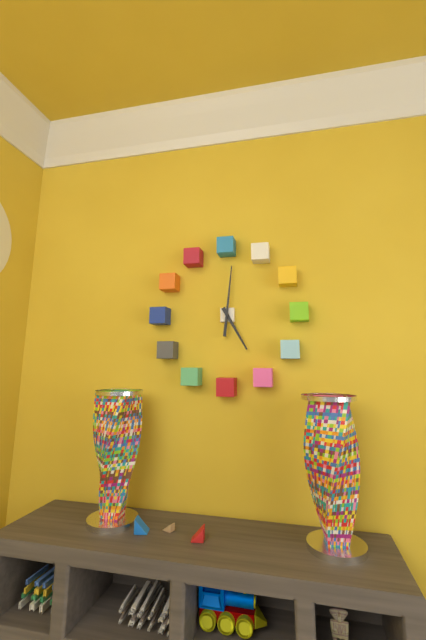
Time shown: 5:01
